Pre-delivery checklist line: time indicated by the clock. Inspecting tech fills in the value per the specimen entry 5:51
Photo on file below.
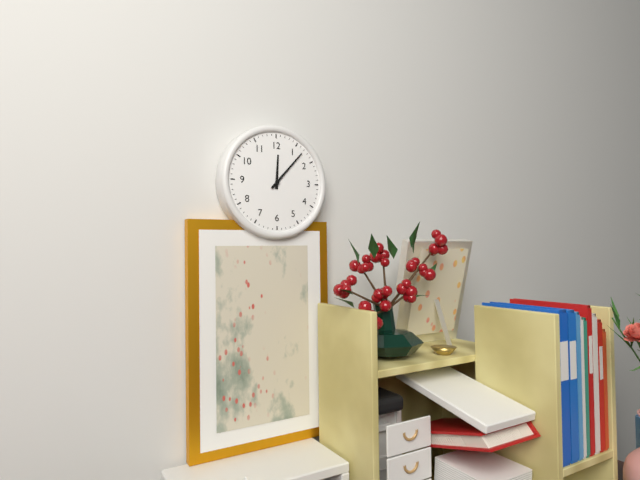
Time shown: 12:07
